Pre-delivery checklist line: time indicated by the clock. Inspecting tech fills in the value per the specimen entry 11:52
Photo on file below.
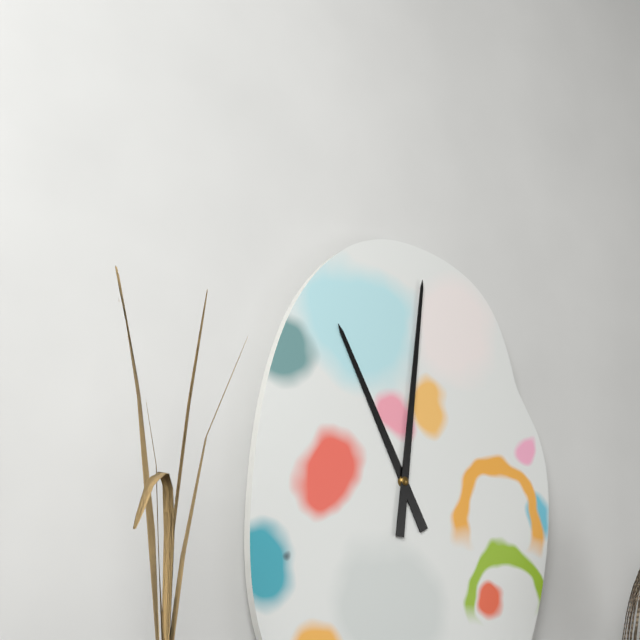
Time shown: 11:01
